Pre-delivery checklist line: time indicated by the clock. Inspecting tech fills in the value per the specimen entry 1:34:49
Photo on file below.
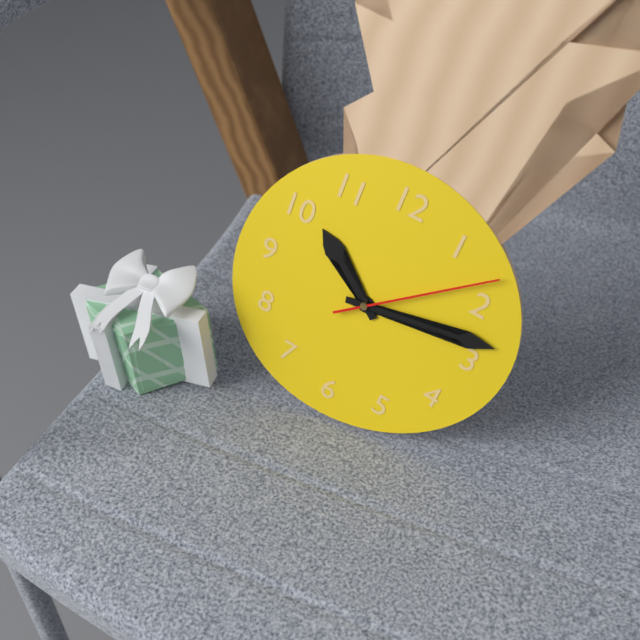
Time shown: 10:13:08
